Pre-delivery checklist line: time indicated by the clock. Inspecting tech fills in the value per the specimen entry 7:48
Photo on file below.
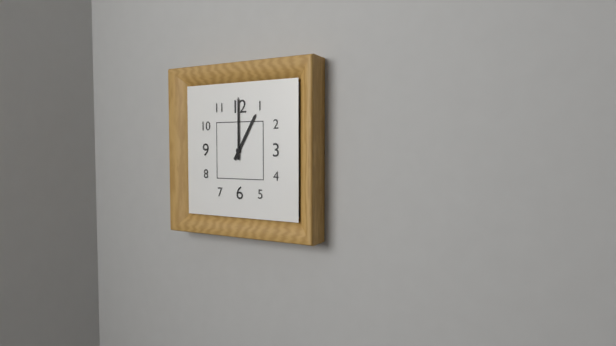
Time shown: 1:00
